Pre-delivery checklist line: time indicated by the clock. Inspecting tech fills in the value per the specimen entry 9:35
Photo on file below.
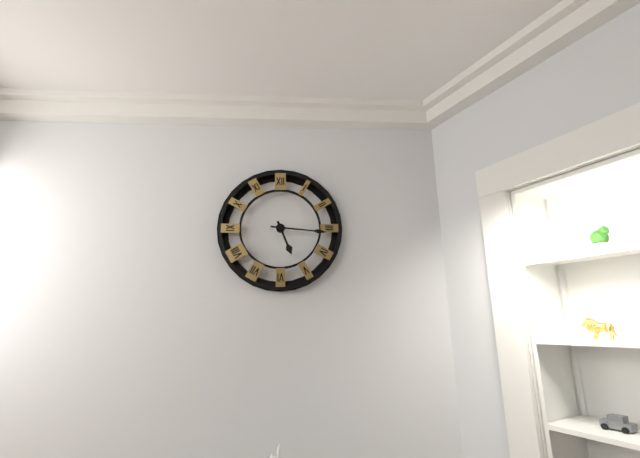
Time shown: 5:16
